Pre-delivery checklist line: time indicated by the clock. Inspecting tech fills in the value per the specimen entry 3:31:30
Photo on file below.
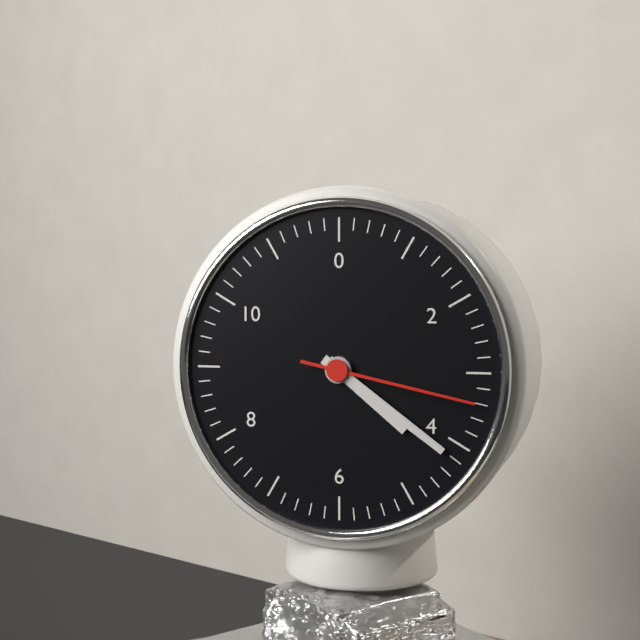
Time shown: 4:21:17
